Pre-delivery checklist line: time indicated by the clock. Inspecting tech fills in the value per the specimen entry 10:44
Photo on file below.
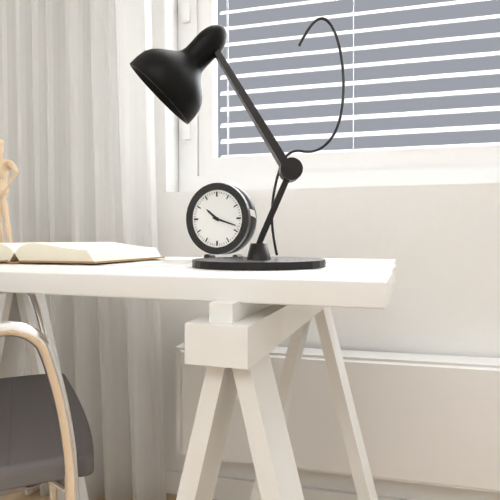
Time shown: 10:18
